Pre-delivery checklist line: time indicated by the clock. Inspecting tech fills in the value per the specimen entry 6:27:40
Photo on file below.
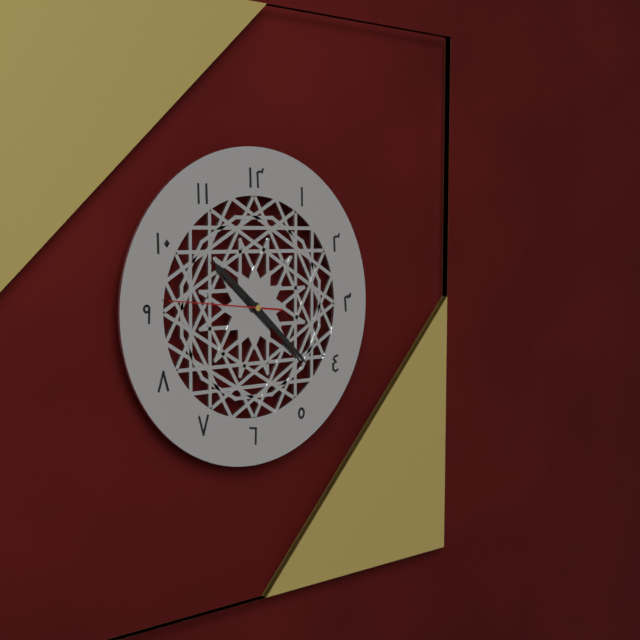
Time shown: 10:22:46
